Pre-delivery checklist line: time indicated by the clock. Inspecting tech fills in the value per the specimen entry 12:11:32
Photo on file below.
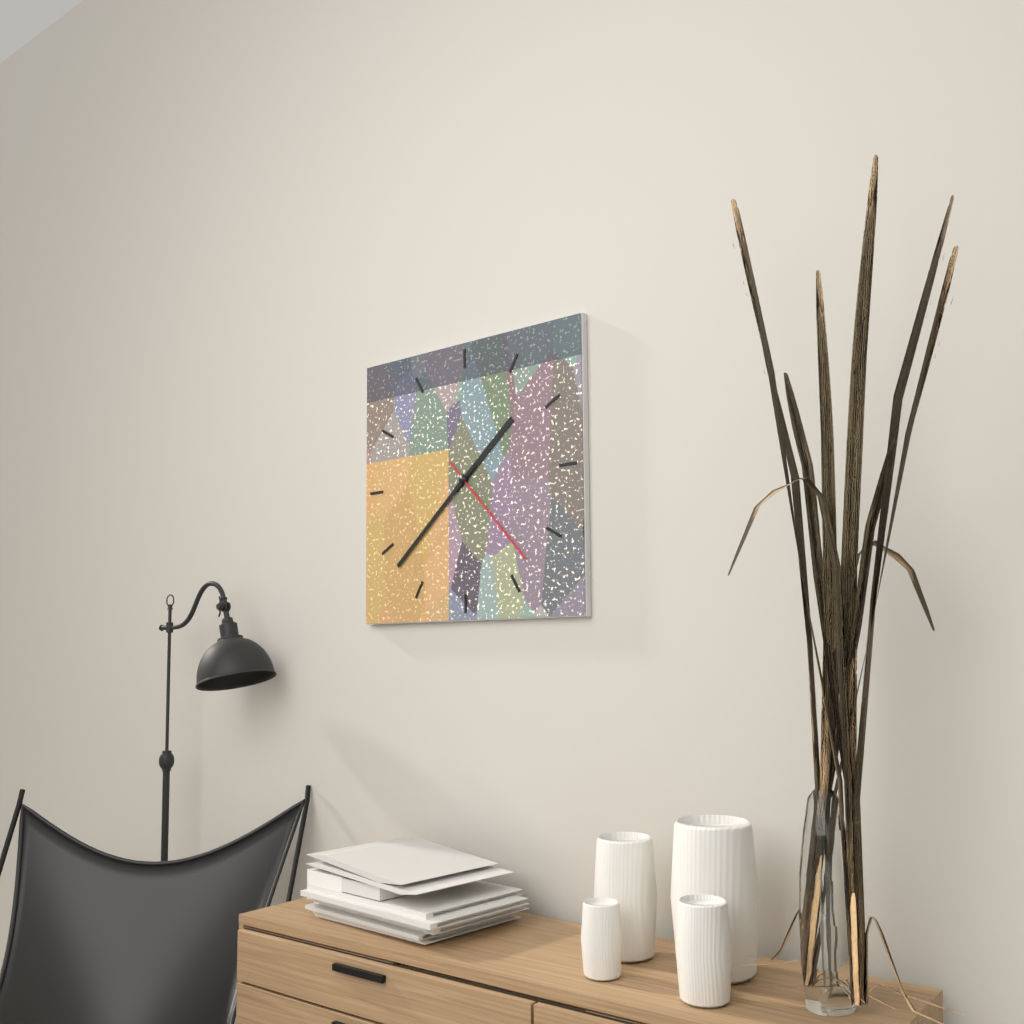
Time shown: 1:38:23
